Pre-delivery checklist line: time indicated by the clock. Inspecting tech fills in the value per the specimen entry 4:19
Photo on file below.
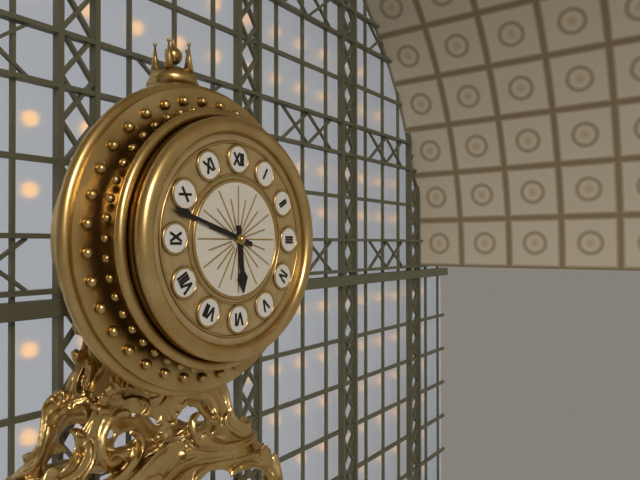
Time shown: 5:48
